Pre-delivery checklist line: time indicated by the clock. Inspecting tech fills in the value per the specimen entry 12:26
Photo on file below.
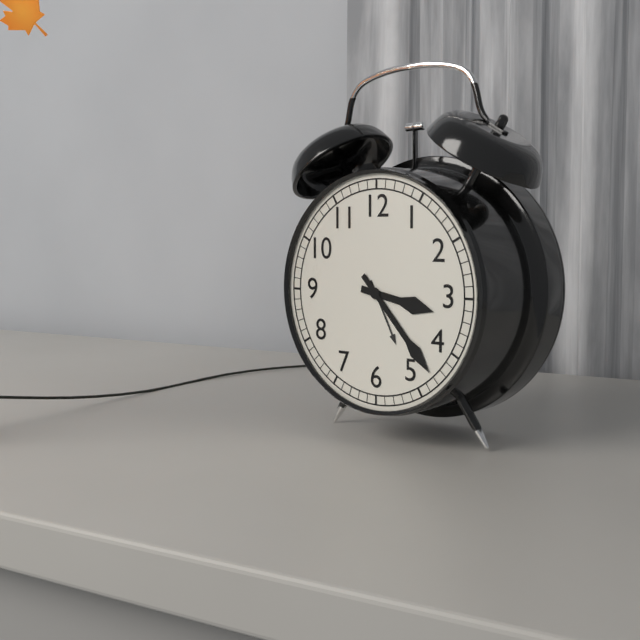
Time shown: 3:23
